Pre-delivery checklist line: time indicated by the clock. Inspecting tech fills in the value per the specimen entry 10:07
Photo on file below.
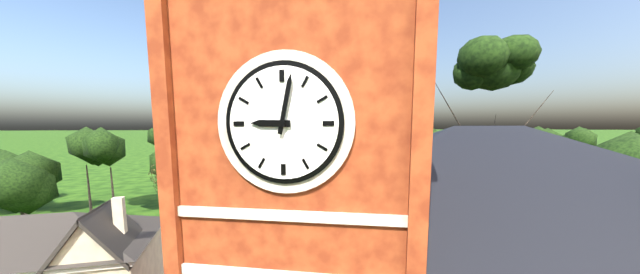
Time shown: 9:02
